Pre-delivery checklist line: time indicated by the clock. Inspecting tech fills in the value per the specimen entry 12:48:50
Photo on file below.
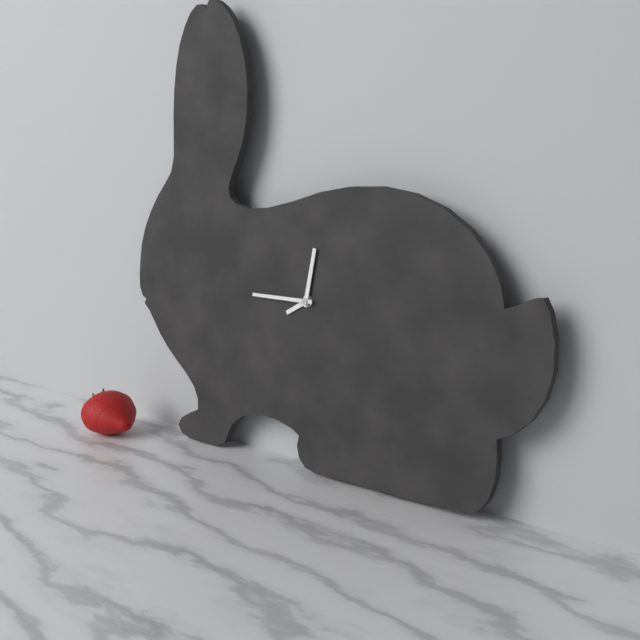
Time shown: 8:02:45
